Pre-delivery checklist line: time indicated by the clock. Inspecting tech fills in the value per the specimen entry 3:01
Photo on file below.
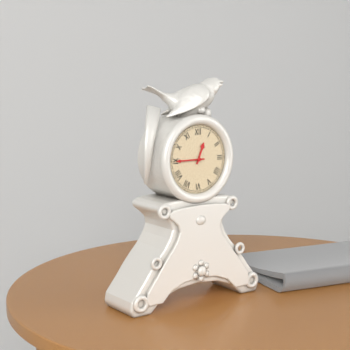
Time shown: 12:45
